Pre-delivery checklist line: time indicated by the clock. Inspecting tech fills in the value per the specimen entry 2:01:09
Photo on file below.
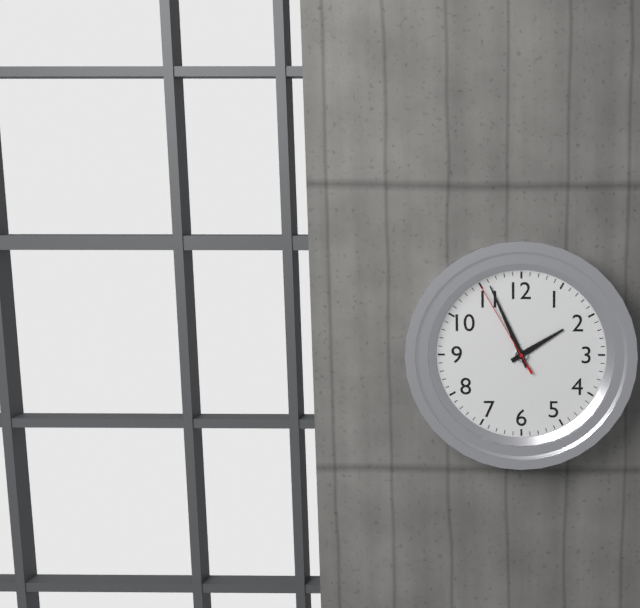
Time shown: 1:56:55
